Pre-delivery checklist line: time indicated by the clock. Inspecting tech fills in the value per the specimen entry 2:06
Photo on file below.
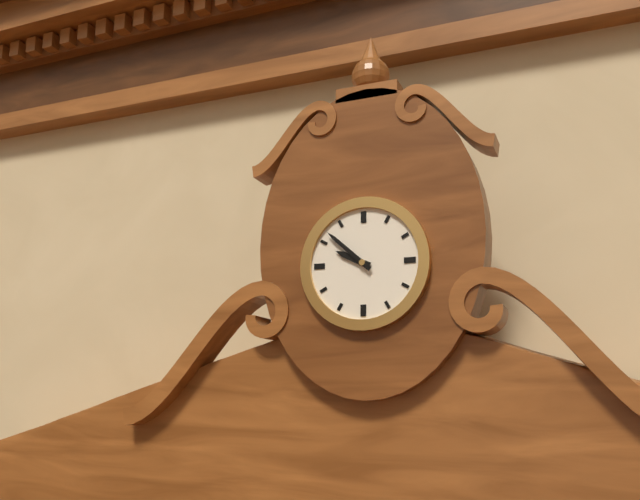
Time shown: 9:52
